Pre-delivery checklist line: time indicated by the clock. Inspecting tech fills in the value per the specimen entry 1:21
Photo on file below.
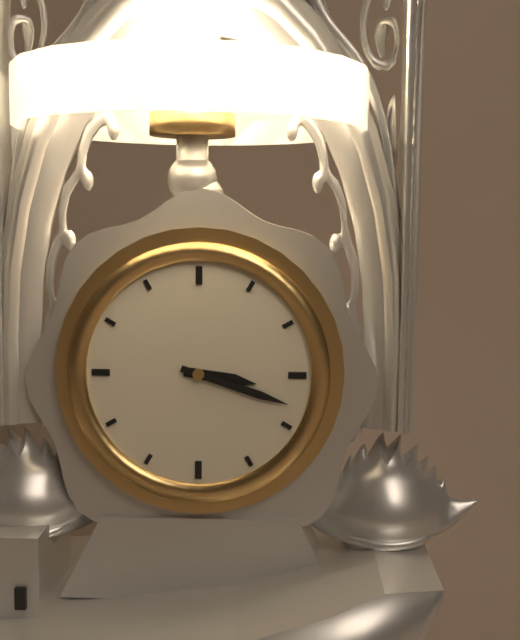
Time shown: 3:18
